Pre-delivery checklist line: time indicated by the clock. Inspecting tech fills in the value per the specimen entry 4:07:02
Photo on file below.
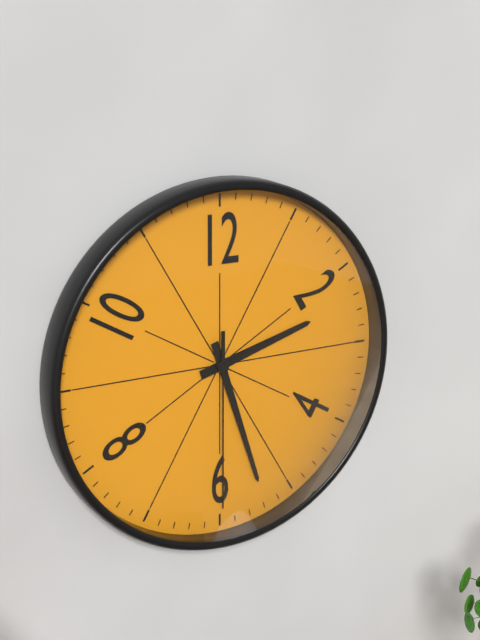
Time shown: 2:27:30
